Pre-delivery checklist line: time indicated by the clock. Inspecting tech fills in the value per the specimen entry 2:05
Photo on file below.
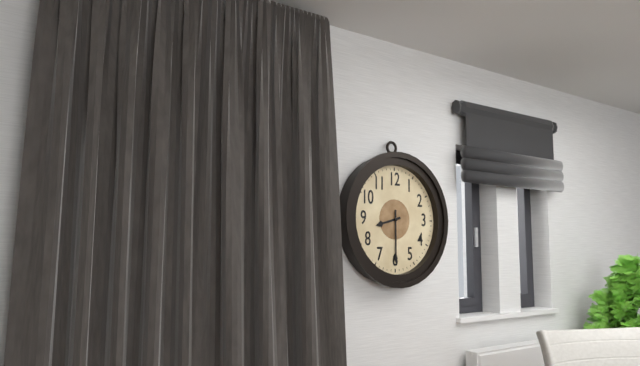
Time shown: 8:30
